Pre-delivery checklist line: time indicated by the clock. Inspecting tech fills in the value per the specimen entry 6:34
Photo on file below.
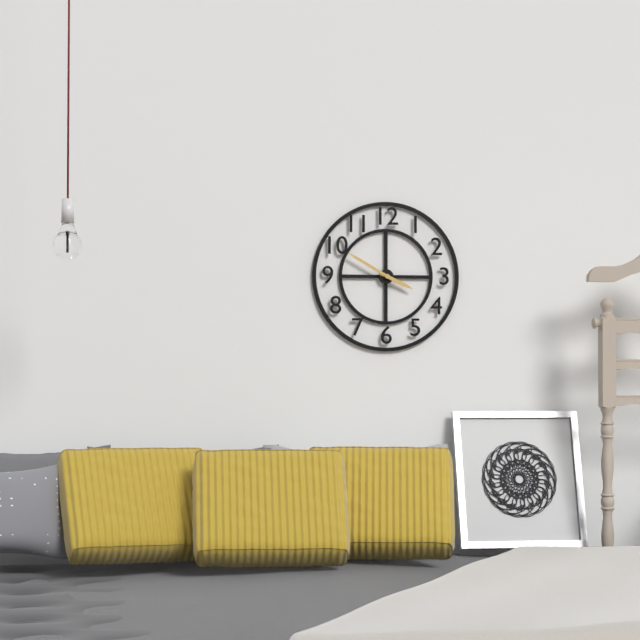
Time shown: 3:50
